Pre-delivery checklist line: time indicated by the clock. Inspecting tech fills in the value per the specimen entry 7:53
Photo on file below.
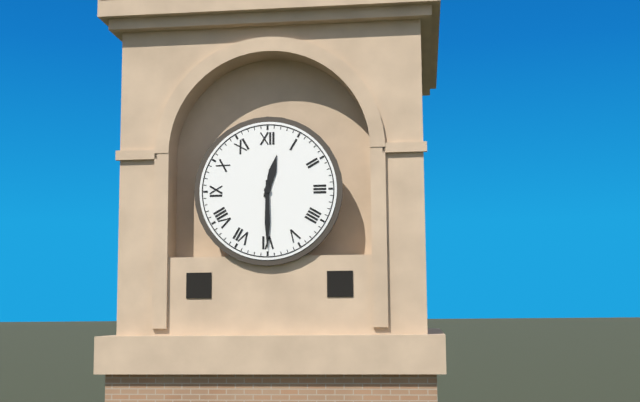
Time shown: 12:30
